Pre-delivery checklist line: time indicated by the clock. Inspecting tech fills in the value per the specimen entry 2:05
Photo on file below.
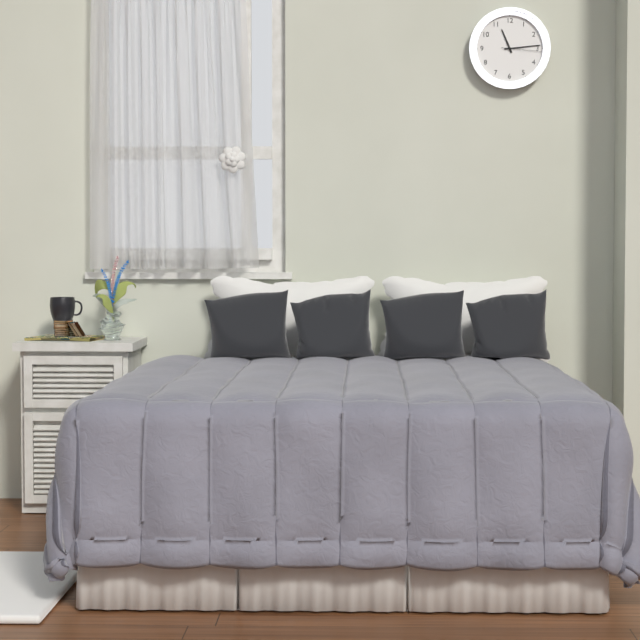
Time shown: 11:14
